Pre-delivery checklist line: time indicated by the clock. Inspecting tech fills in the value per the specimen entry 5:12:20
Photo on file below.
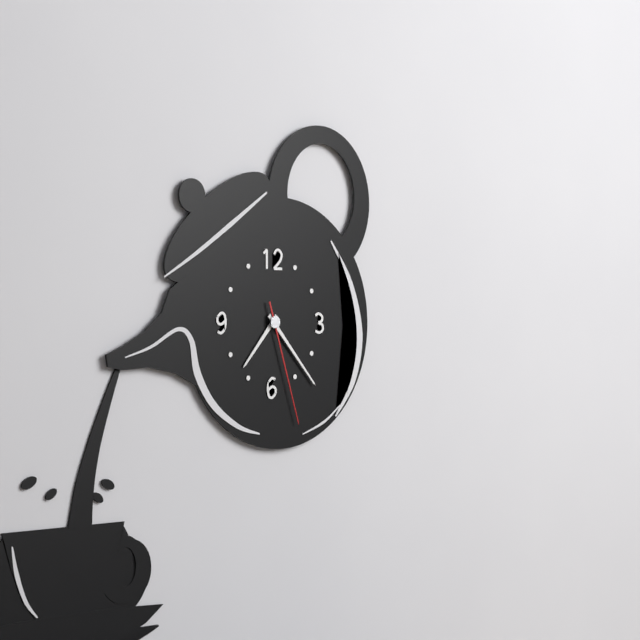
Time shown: 7:23:27
